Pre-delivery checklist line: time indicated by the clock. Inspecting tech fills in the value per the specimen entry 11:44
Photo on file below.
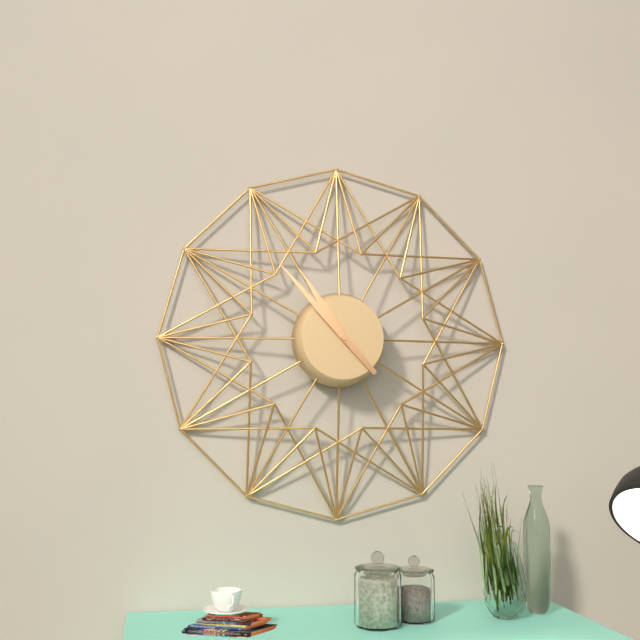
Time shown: 10:53
